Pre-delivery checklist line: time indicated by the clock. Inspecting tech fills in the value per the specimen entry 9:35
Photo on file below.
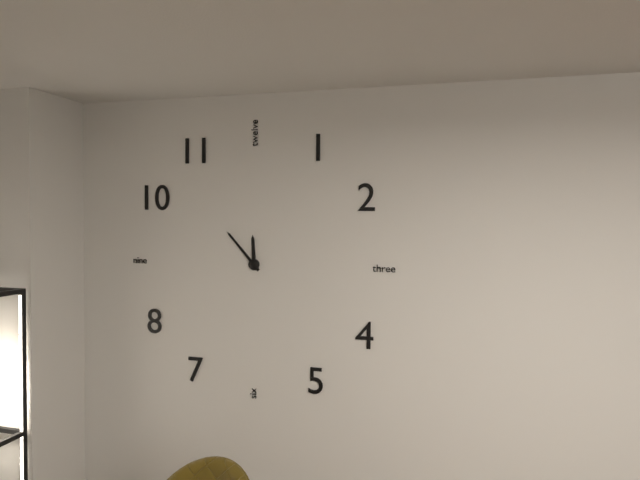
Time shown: 11:53
